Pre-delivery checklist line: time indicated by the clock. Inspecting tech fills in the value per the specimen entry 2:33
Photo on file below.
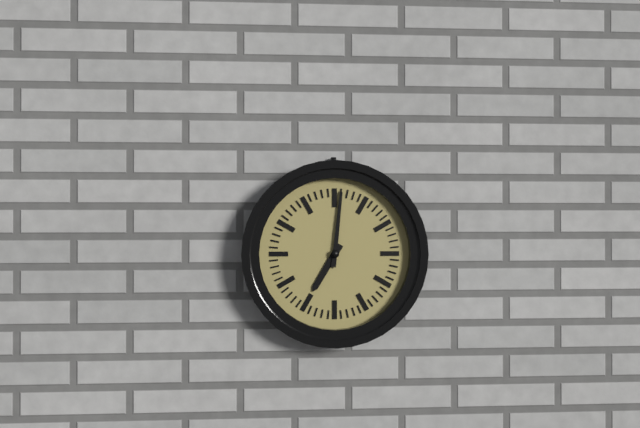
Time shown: 7:01
